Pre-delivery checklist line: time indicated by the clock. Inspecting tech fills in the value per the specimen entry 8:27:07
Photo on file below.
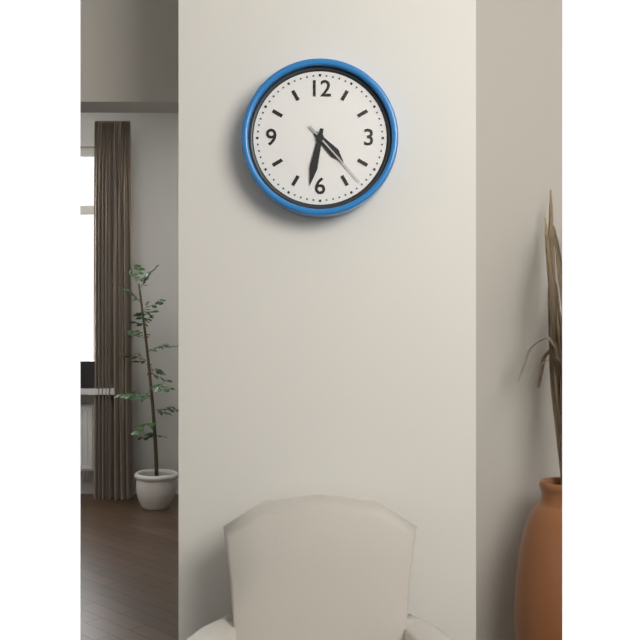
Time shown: 4:32:23
